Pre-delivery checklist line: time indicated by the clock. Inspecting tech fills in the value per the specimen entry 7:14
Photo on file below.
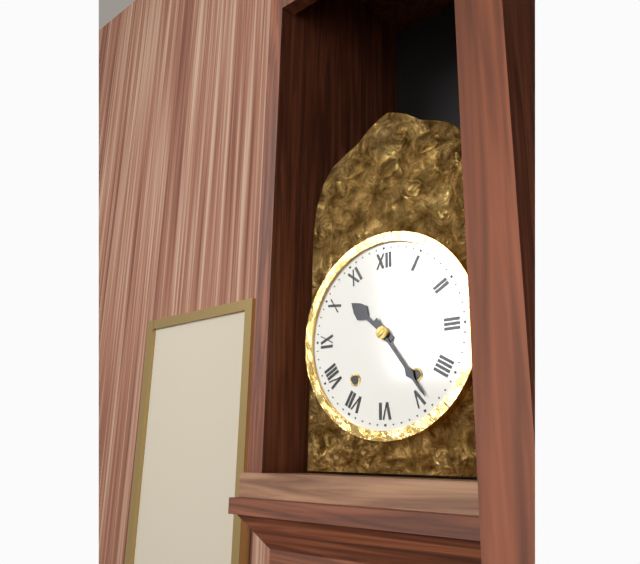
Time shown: 10:24
